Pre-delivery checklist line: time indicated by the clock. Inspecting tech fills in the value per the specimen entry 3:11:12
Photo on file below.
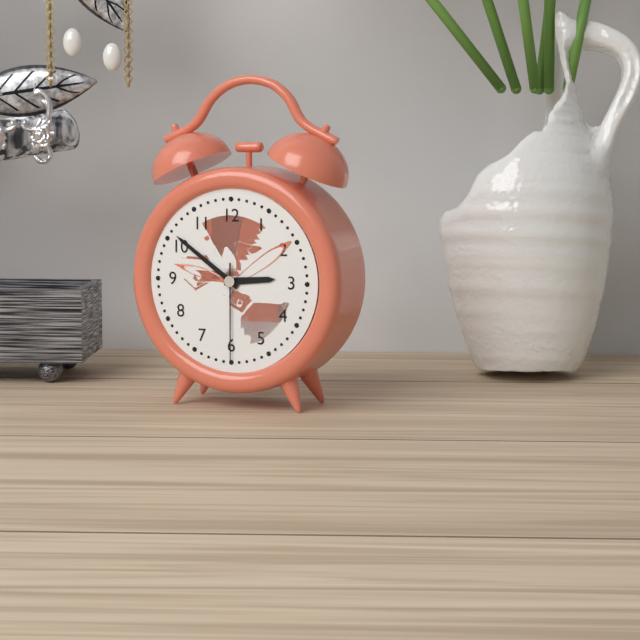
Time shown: 2:51:30
